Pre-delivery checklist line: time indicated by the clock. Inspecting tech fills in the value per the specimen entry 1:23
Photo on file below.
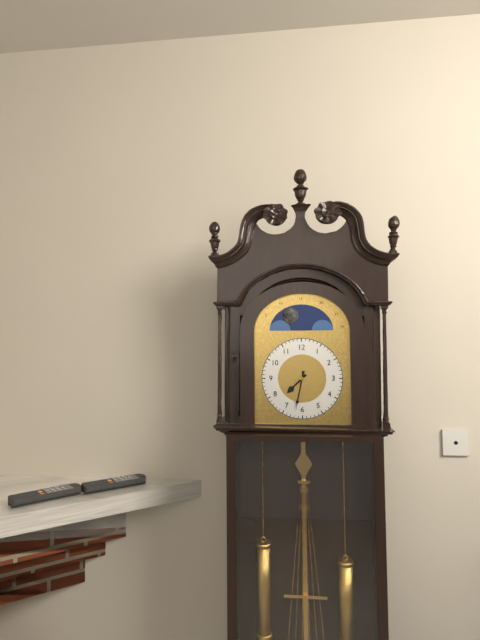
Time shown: 7:32
